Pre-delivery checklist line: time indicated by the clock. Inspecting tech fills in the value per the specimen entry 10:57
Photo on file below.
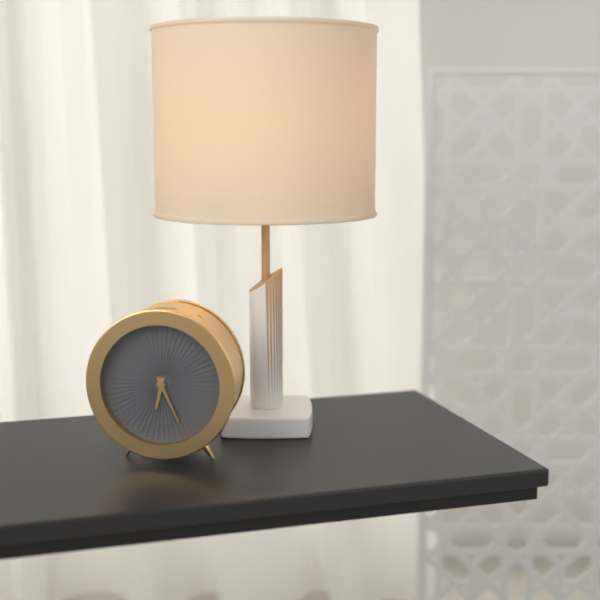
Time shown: 6:26
